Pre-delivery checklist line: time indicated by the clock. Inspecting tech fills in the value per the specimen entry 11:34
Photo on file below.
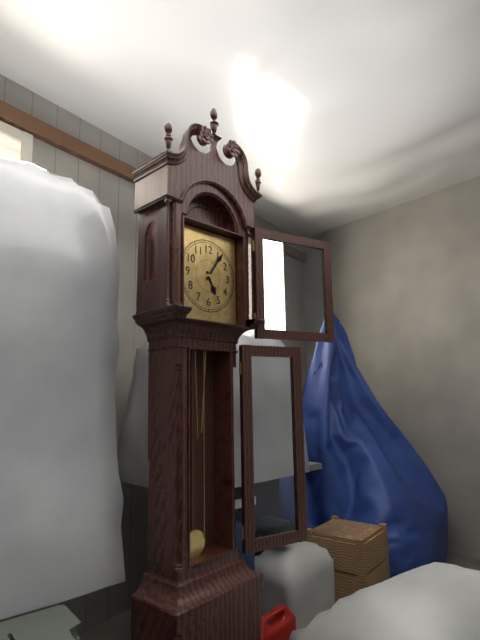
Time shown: 5:06
